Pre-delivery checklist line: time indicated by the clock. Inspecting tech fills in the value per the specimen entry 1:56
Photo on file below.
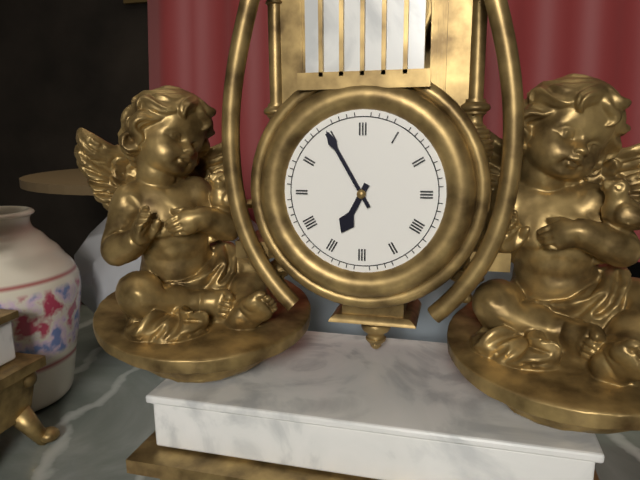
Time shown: 6:55
